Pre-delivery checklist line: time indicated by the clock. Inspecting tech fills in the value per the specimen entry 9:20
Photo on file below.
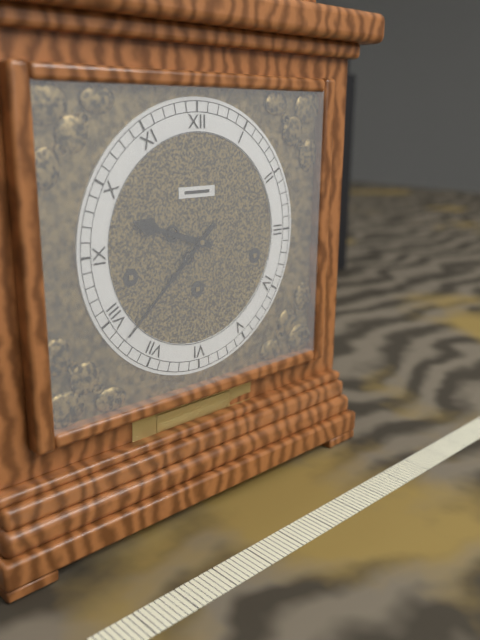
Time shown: 9:38
